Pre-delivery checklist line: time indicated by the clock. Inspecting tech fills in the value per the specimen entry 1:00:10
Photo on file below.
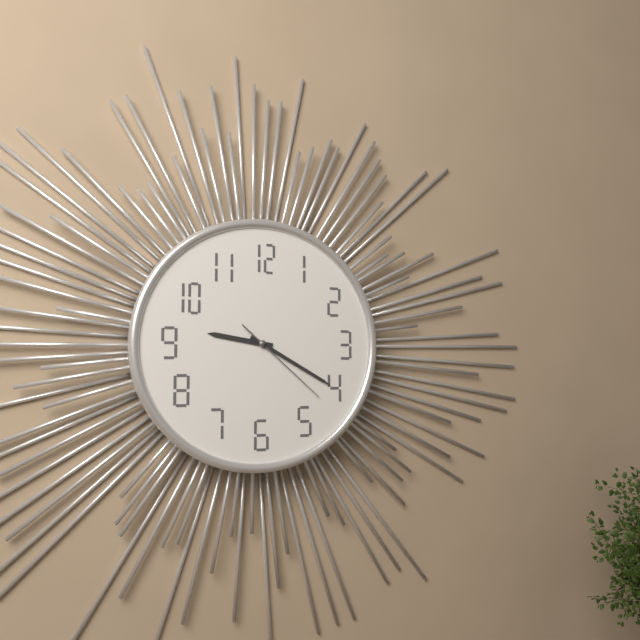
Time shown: 9:20:22
